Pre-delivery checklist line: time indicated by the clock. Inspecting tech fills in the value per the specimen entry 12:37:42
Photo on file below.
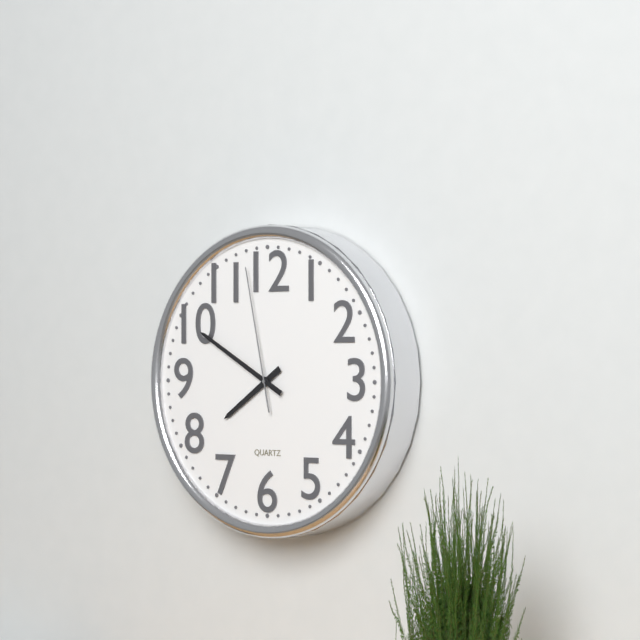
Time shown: 7:50:58
